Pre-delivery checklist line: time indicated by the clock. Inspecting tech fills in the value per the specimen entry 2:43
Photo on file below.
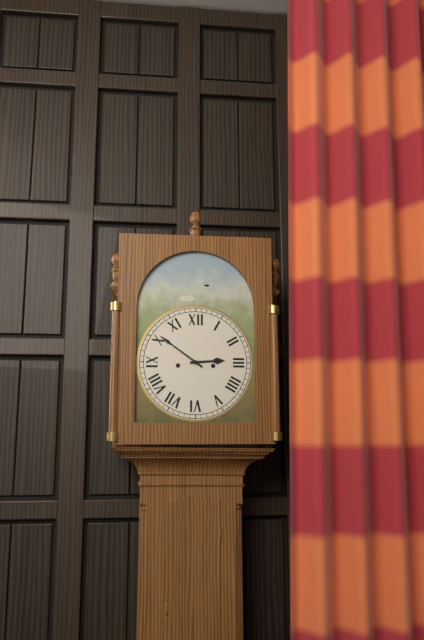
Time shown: 2:51
